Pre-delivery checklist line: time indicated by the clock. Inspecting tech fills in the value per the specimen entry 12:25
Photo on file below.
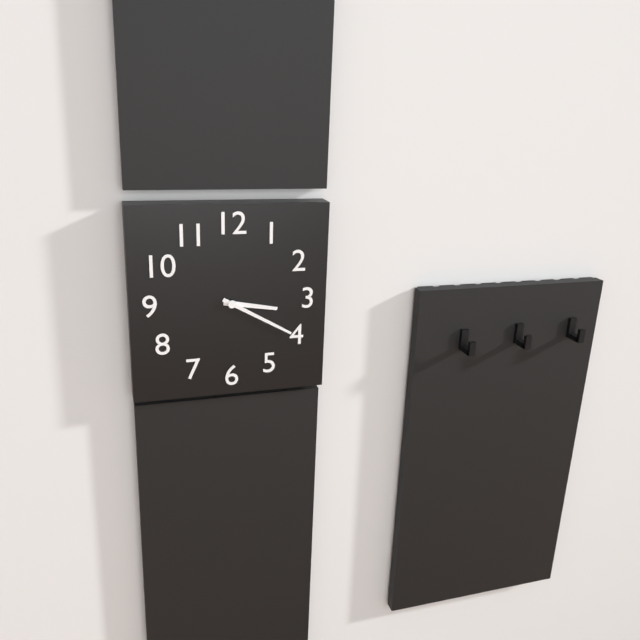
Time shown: 3:20
